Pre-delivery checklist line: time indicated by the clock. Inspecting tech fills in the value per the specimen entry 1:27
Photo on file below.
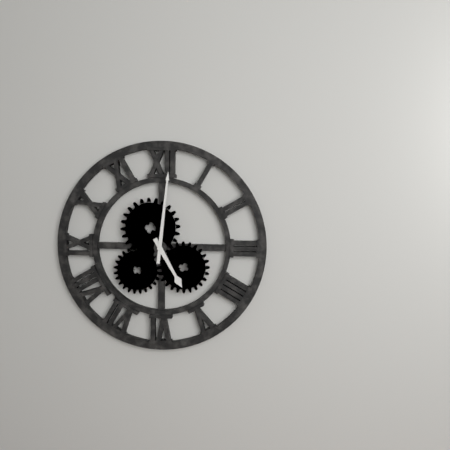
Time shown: 5:01
